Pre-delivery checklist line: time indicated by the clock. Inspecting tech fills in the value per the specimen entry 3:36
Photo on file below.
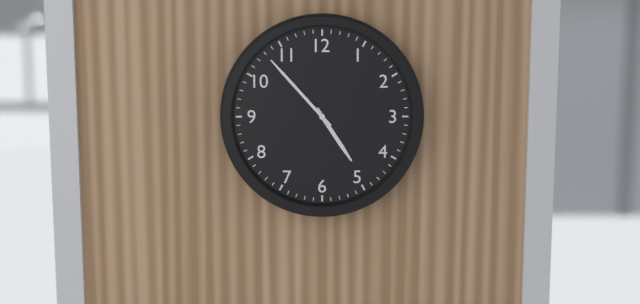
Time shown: 4:53
